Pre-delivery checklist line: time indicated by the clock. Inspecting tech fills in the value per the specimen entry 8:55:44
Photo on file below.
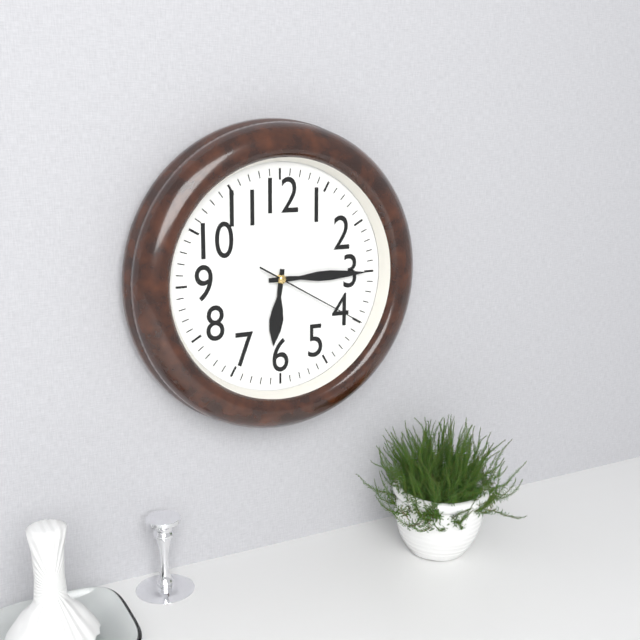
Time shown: 6:15:20
